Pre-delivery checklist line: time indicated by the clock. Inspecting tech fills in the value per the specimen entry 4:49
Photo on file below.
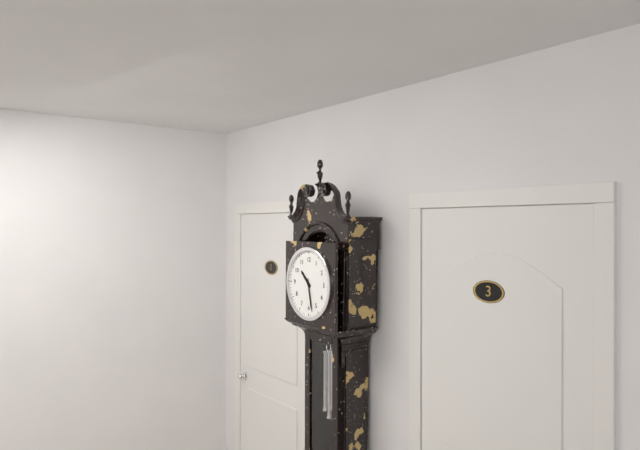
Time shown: 10:28
